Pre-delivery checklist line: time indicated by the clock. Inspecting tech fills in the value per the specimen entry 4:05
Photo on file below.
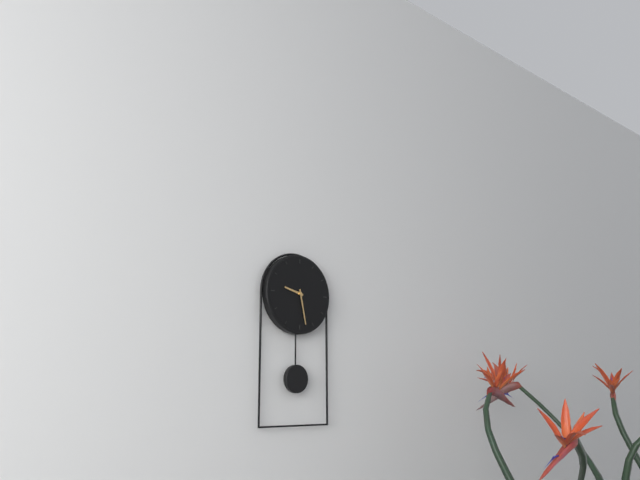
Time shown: 9:28
